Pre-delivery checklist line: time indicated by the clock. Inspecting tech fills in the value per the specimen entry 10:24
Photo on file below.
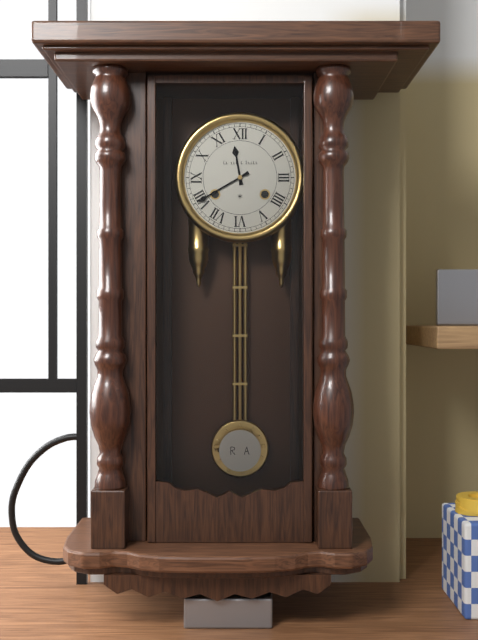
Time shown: 11:40
